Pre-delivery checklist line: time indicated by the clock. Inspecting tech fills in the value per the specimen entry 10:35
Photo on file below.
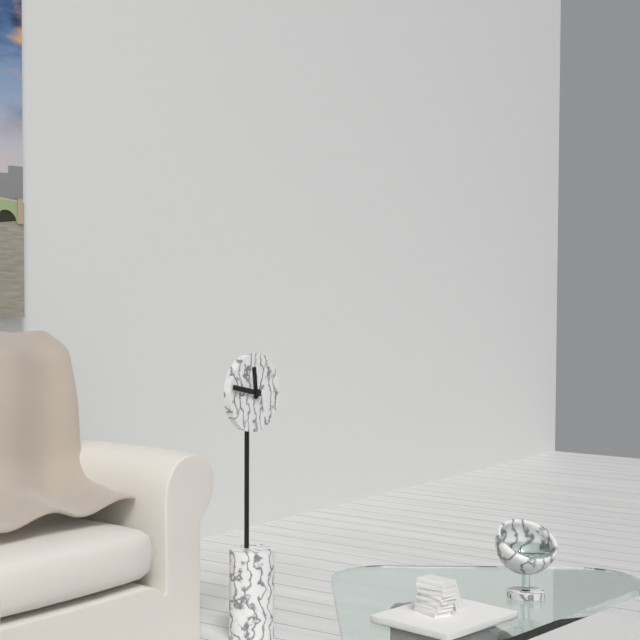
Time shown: 11:47
